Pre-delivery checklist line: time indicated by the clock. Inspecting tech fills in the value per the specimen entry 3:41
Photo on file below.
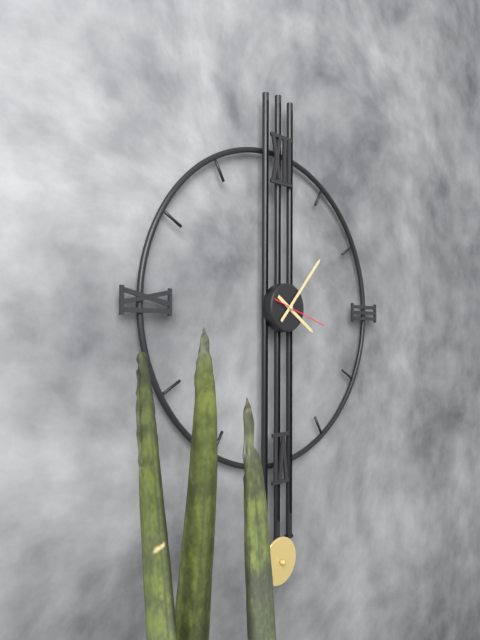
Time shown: 4:07
